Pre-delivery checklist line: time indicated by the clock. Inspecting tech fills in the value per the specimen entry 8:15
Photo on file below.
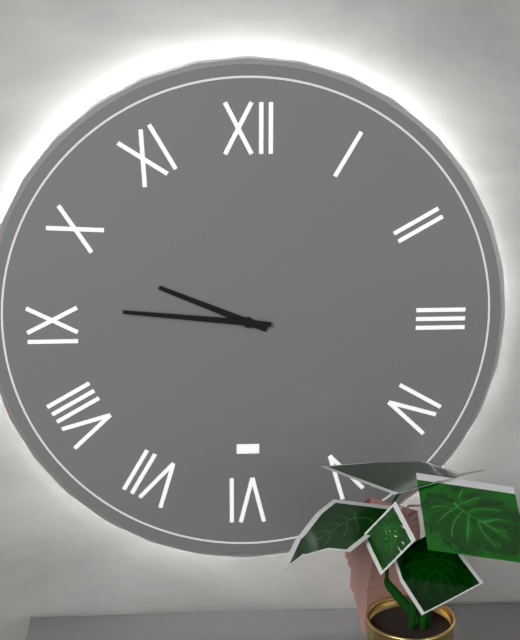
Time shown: 9:46
